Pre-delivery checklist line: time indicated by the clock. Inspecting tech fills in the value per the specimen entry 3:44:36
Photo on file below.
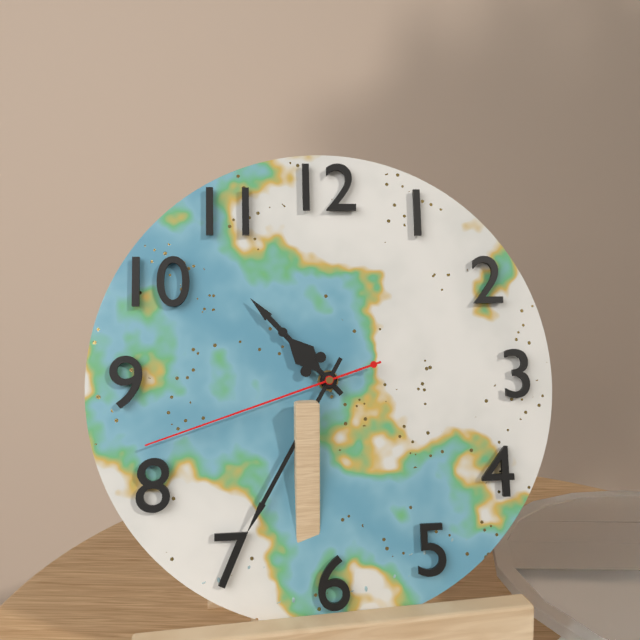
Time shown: 10:35:42
